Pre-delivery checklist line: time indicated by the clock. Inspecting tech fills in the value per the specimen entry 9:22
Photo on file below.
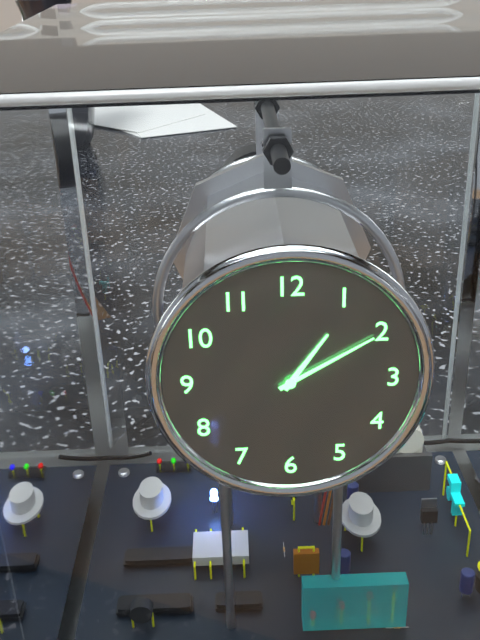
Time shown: 1:10
